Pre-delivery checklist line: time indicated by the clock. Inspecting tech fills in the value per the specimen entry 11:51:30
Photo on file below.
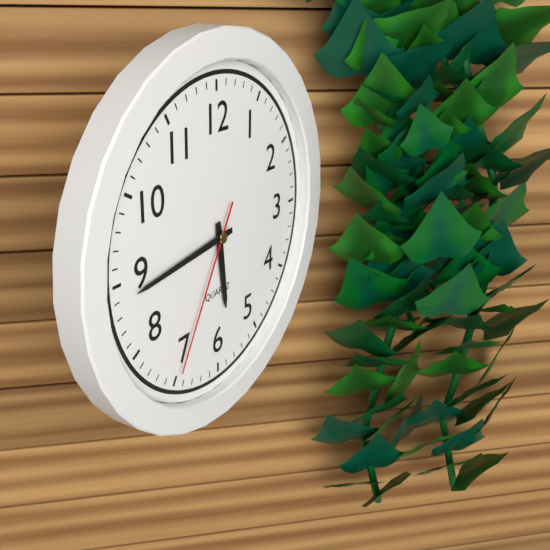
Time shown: 5:44:35
